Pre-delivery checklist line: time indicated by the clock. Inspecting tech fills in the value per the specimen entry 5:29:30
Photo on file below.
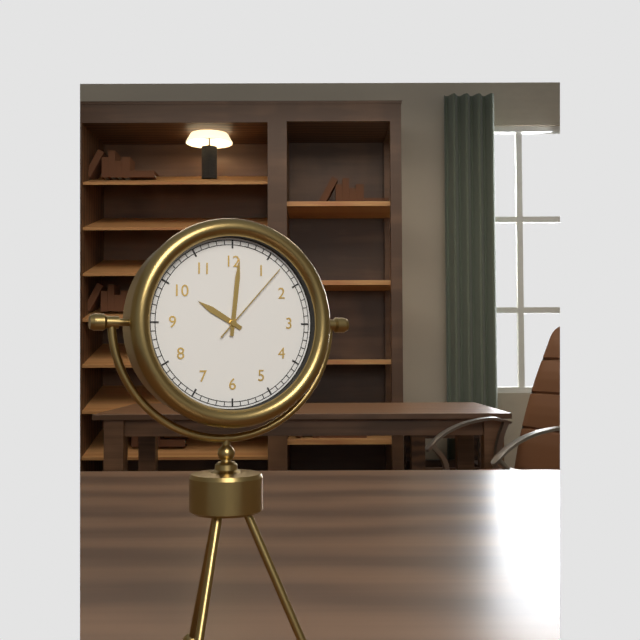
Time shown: 10:01:07
